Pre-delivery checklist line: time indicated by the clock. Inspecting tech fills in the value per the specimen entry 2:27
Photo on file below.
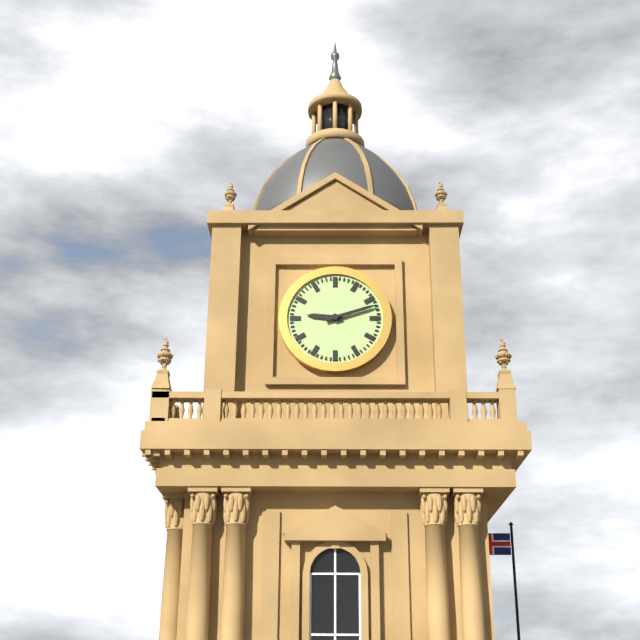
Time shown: 9:12
